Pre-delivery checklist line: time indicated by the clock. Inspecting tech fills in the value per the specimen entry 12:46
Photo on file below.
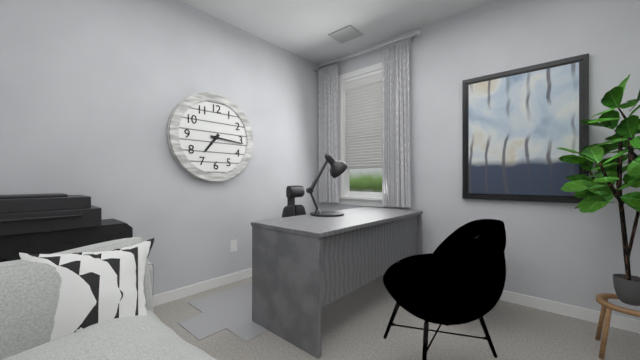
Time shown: 7:16
